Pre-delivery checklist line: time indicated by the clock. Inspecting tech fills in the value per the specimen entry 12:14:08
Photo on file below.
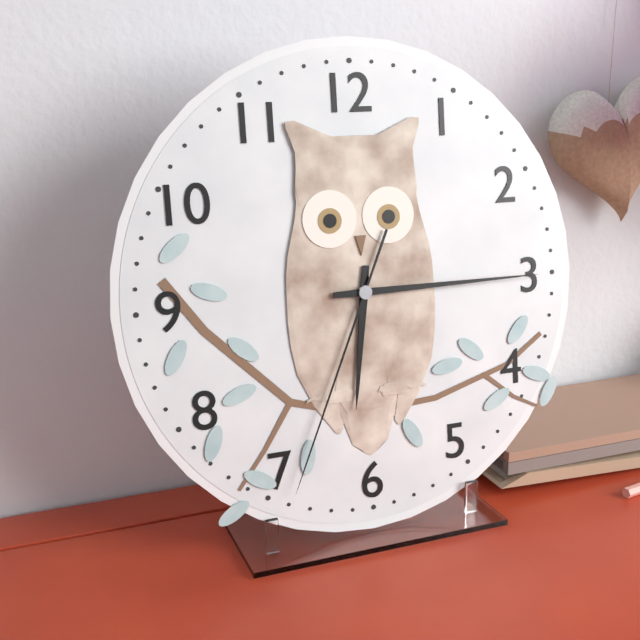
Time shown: 6:15:34
